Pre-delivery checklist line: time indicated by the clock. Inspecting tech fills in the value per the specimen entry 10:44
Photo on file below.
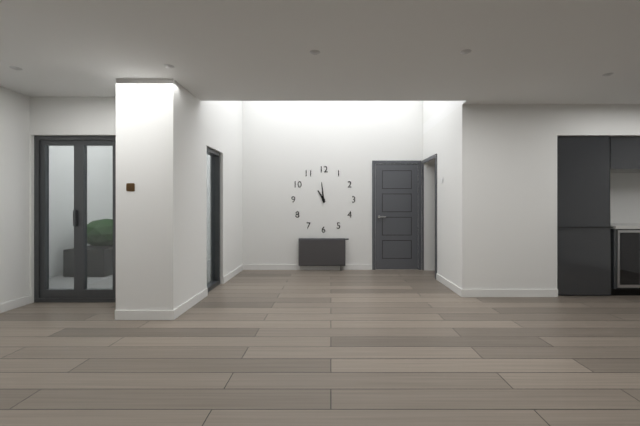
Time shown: 10:59
